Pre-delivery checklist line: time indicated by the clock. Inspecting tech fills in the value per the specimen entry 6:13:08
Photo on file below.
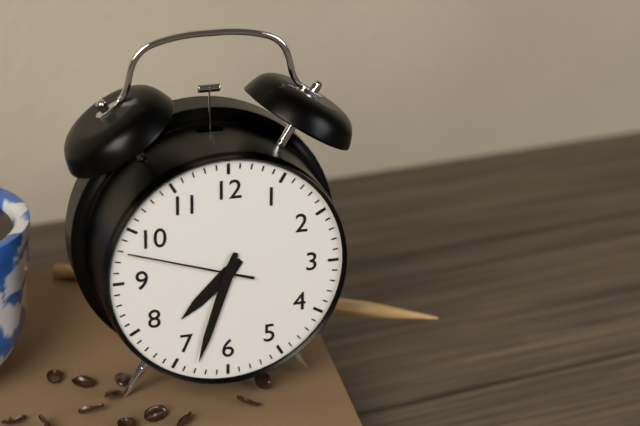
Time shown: 7:33:48
